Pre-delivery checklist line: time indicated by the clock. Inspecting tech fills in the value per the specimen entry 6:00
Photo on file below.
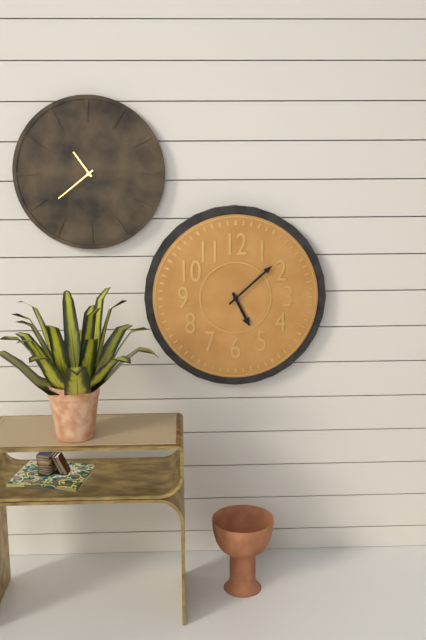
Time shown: 5:08
